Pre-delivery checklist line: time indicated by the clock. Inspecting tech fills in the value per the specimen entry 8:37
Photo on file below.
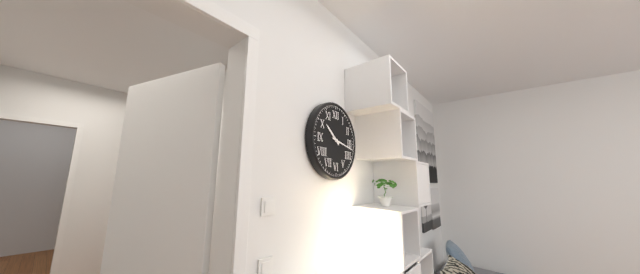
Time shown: 10:17
